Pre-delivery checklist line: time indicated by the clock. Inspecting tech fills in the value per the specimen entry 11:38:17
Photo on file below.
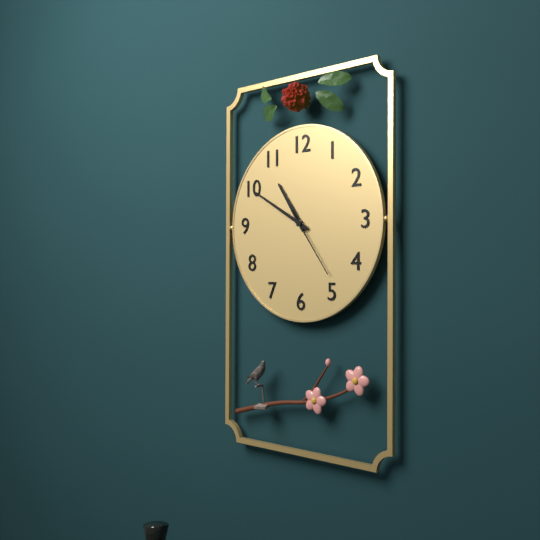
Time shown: 10:50:24
